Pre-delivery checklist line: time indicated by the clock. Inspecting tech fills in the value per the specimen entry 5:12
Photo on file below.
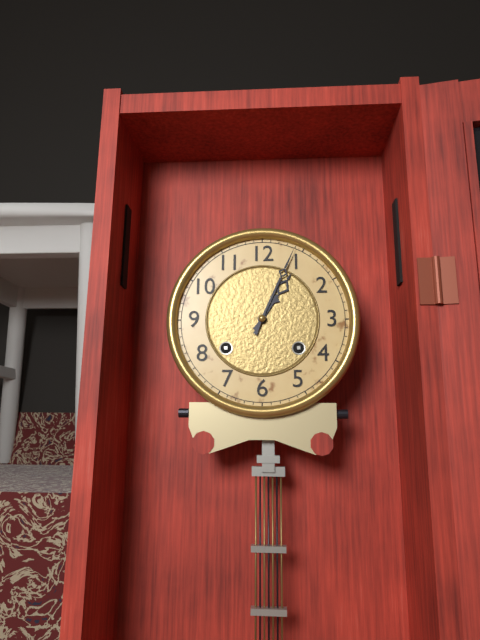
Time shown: 1:04
